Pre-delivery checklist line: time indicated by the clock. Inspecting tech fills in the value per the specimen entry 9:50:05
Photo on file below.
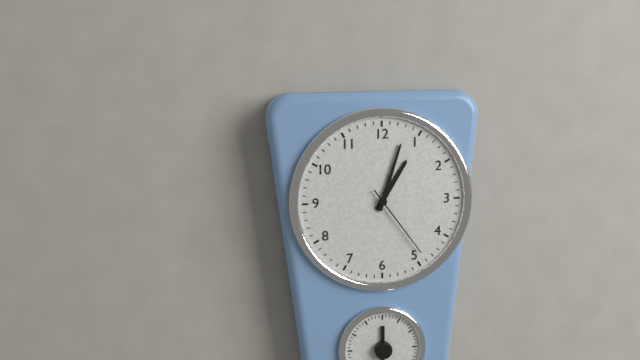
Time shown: 1:03:24
